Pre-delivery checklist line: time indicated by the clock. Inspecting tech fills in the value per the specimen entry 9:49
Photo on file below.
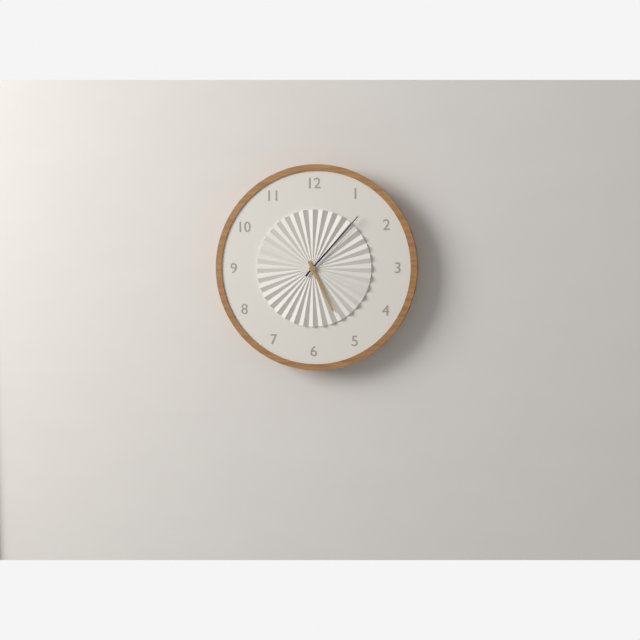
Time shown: 5:07
